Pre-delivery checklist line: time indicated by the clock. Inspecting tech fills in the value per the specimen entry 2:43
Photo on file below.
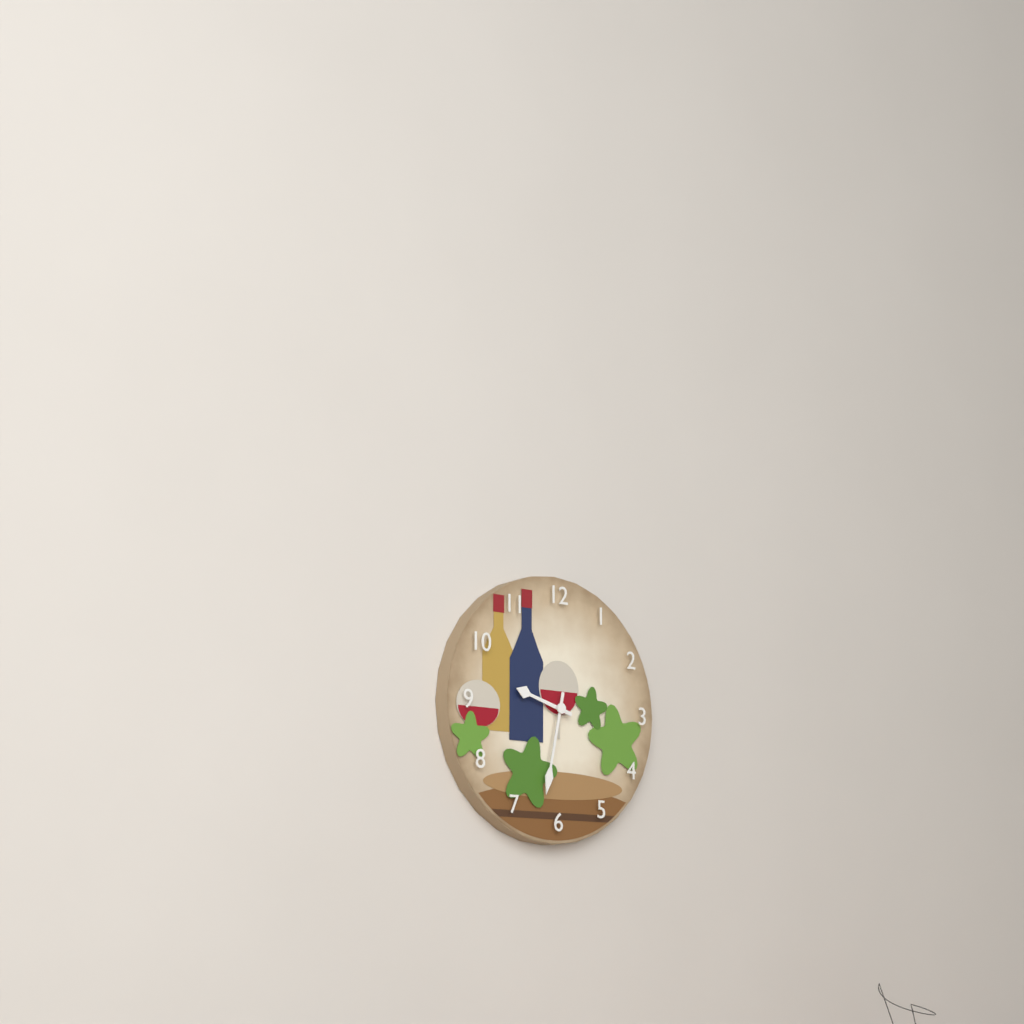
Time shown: 9:32
